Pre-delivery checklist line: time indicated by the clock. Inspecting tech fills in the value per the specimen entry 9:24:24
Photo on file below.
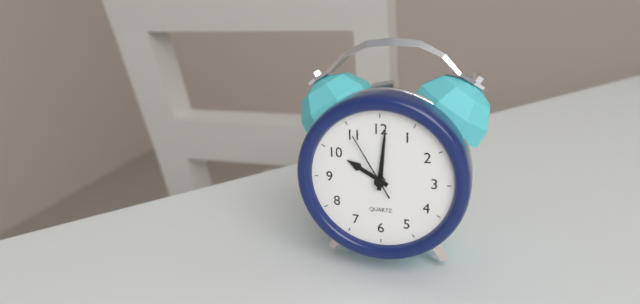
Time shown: 10:01:55
